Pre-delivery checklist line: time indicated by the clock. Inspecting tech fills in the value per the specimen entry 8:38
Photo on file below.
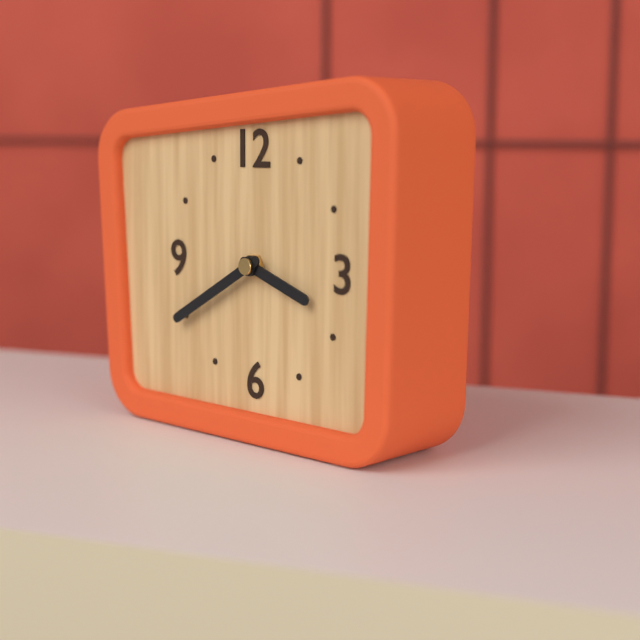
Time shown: 3:40
